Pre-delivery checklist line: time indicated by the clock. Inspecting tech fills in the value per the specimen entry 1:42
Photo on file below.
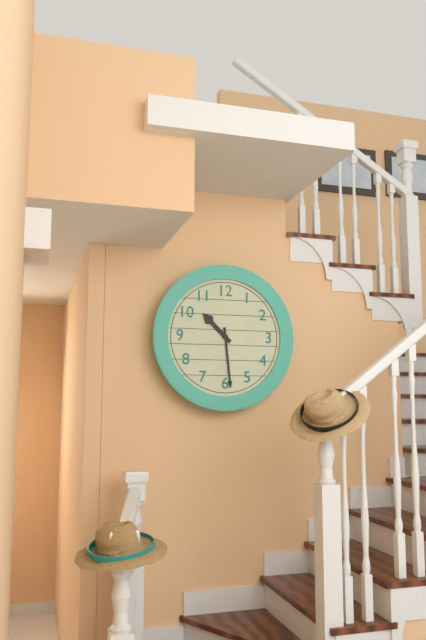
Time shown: 10:29
